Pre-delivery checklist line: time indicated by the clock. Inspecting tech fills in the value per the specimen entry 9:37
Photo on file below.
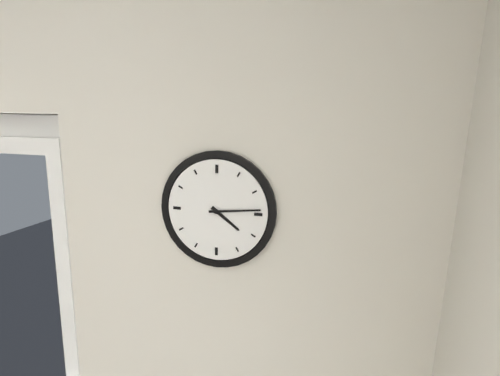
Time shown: 4:14
